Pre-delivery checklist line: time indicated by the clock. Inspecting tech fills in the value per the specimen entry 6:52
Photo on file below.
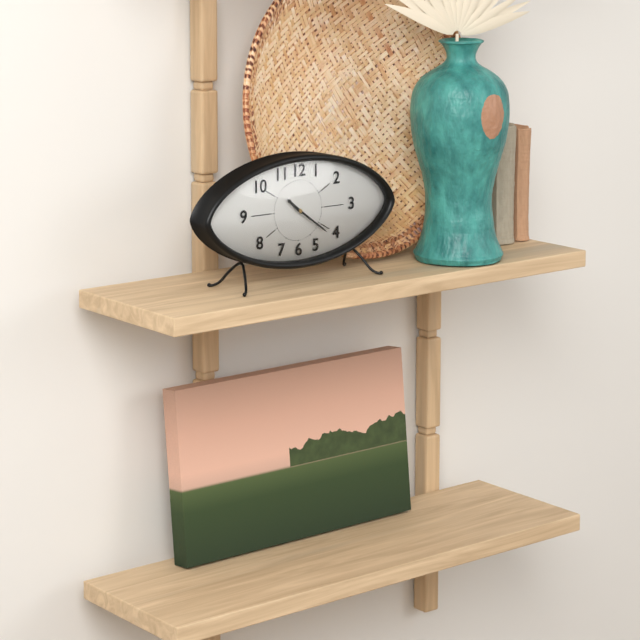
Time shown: 10:21
